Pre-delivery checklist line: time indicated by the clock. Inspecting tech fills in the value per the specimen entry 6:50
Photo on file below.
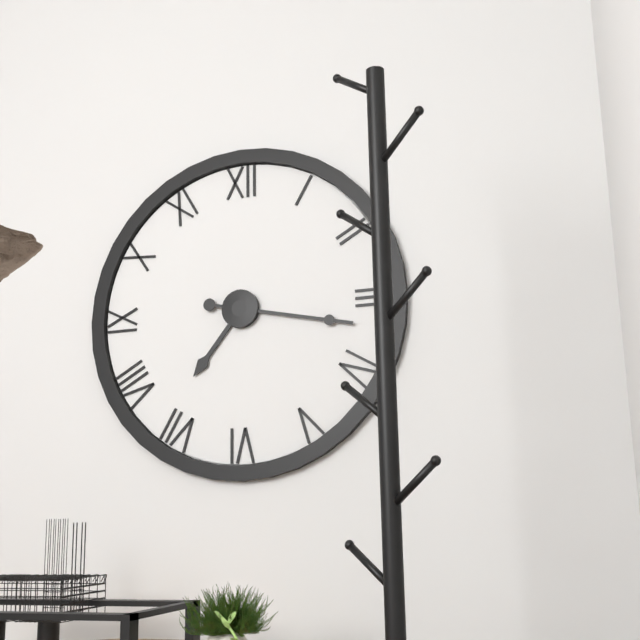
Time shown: 7:17
